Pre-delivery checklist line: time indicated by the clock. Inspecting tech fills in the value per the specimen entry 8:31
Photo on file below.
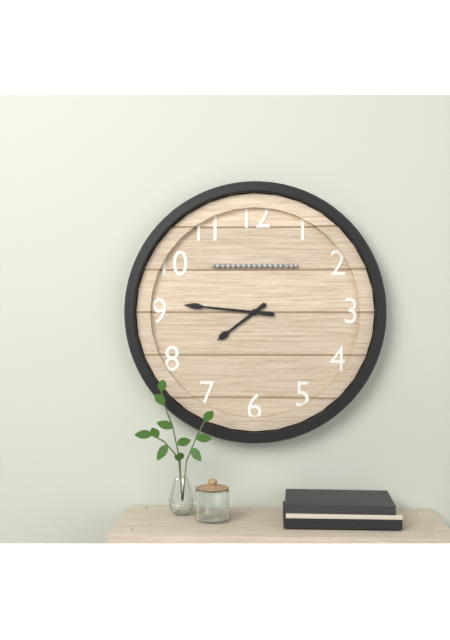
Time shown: 7:46
